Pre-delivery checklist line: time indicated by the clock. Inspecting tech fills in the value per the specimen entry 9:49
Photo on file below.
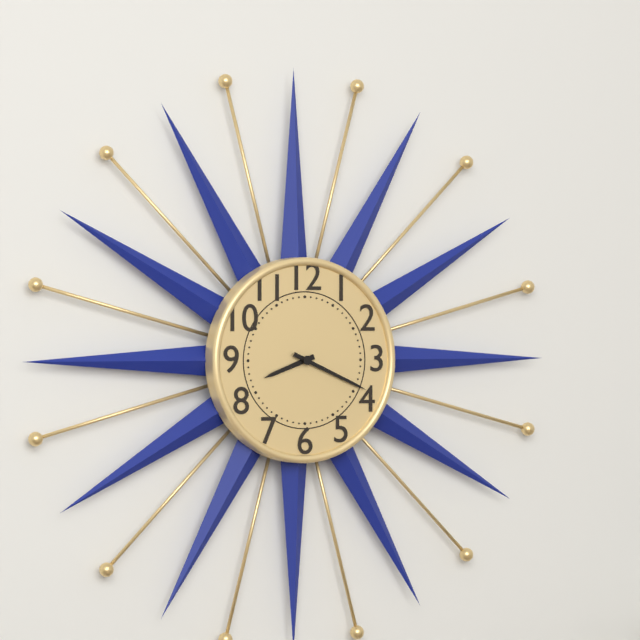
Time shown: 8:19
